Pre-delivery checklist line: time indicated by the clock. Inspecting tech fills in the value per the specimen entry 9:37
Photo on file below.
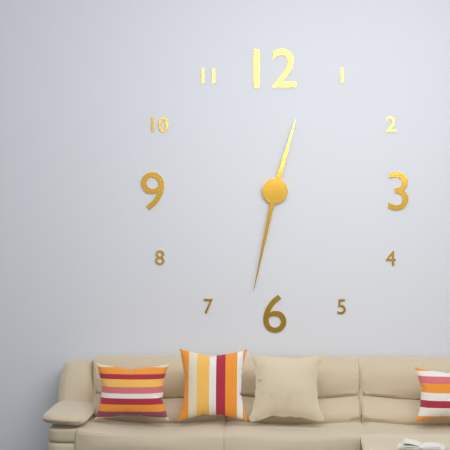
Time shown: 12:32
